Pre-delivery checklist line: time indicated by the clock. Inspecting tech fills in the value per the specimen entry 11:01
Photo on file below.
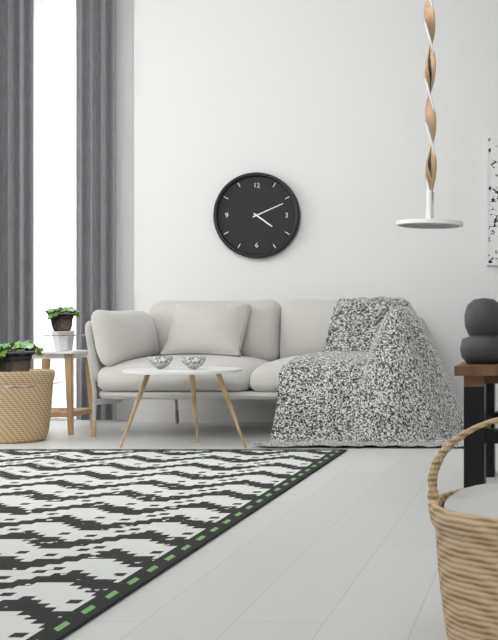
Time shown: 4:11
